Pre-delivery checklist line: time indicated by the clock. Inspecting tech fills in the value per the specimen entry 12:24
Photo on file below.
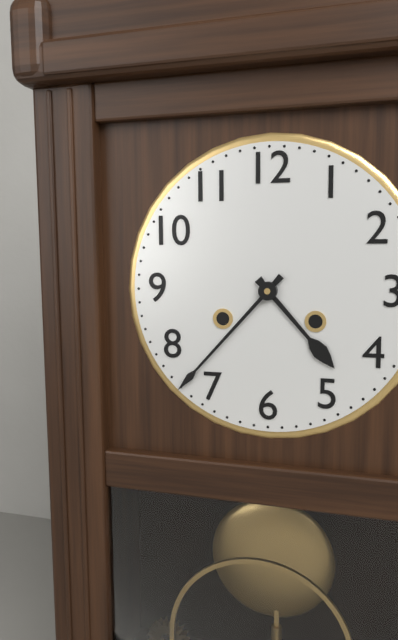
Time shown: 4:37
